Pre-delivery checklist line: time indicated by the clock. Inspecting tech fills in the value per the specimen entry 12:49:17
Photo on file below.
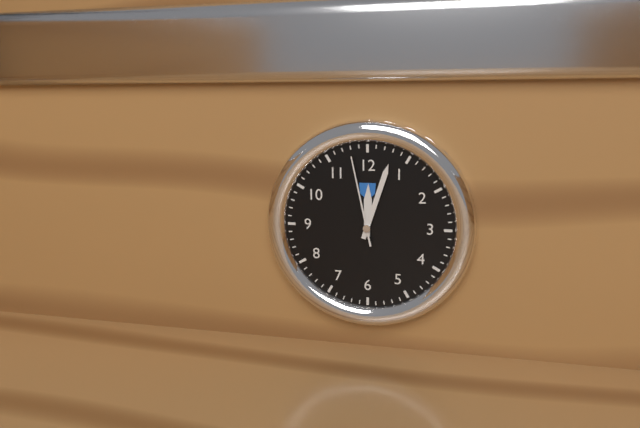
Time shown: 12:03:58
